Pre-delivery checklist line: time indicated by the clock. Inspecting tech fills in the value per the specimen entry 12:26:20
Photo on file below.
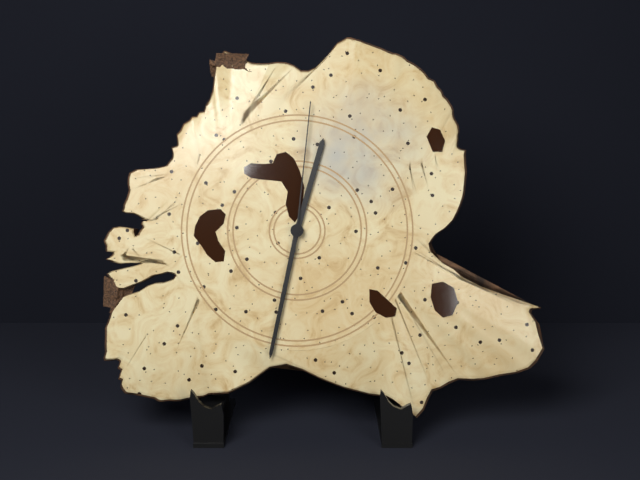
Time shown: 12:32:01
